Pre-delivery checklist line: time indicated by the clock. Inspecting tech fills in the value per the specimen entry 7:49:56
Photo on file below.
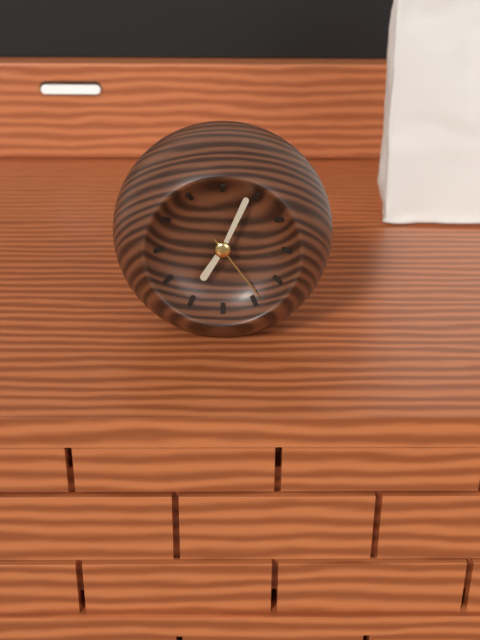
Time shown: 7:04:24
